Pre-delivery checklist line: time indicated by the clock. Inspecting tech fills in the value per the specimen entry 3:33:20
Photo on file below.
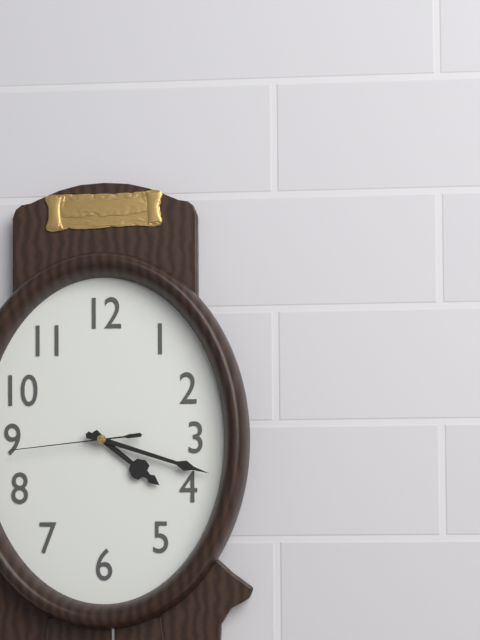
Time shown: 4:18:44
